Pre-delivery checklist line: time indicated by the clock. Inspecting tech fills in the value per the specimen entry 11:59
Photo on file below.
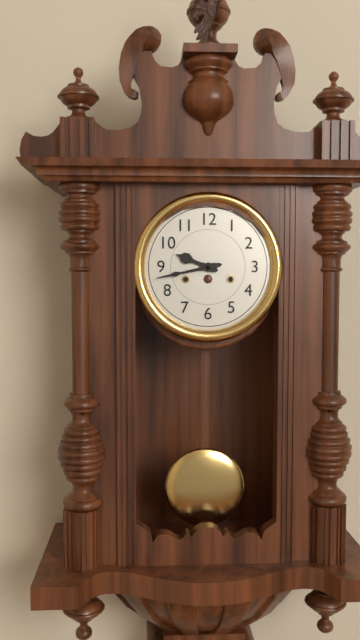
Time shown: 9:43
